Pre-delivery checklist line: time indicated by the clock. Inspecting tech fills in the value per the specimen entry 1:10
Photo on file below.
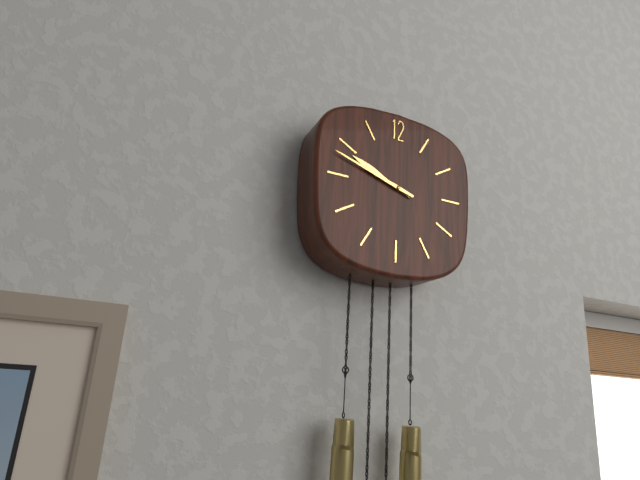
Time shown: 9:48
